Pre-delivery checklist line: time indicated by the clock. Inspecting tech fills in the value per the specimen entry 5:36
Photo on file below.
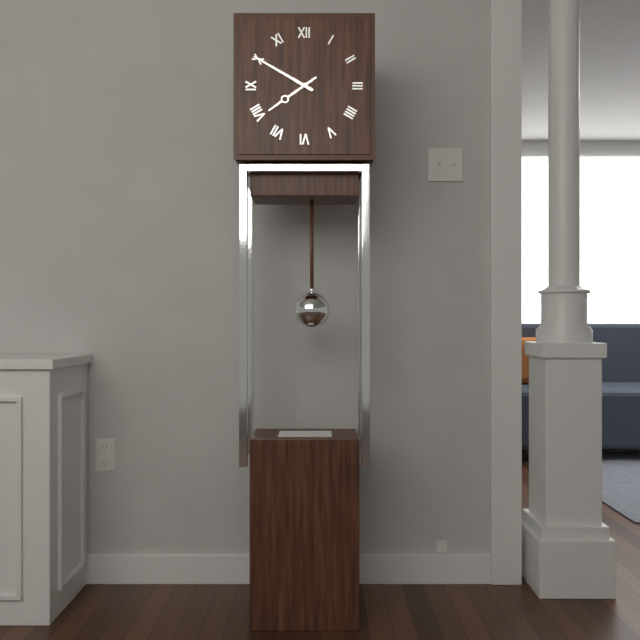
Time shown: 7:50
